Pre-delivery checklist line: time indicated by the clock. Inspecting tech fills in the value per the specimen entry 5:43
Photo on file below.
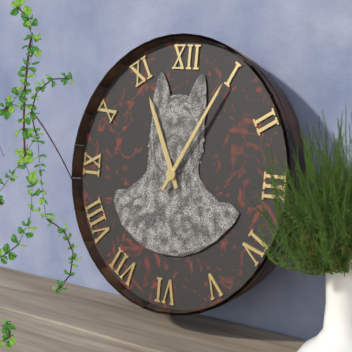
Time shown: 11:05
